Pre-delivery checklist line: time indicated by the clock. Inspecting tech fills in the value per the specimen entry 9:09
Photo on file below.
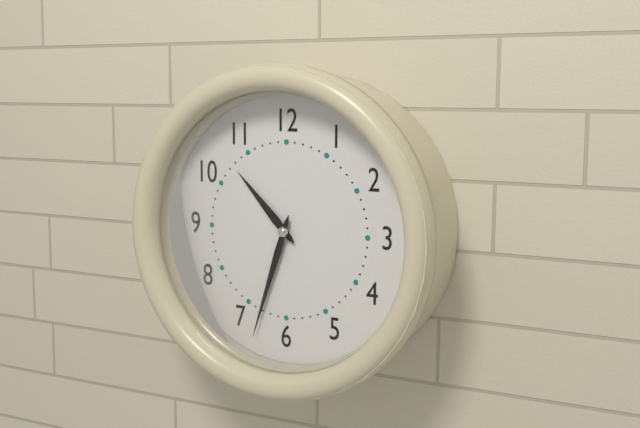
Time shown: 10:33
